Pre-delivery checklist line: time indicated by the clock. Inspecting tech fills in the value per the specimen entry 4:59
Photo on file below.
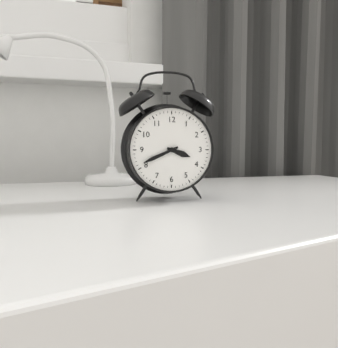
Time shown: 3:41
